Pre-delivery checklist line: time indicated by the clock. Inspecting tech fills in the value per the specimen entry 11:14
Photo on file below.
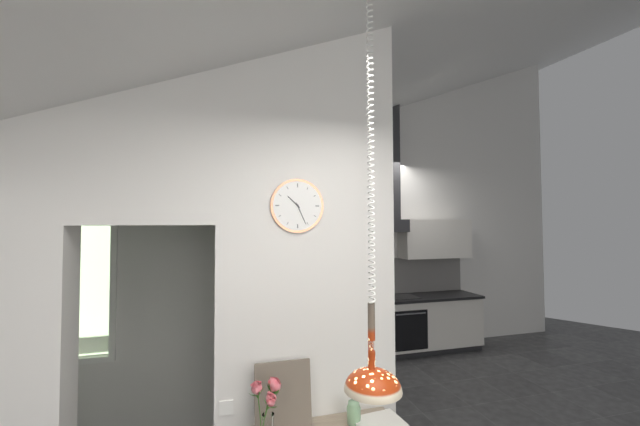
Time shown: 10:26
